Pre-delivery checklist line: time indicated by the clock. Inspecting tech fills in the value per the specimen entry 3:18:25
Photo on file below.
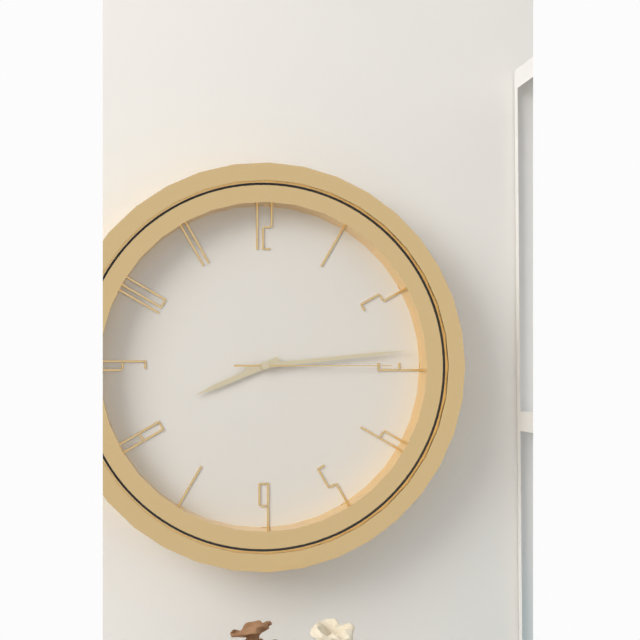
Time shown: 8:14:15
